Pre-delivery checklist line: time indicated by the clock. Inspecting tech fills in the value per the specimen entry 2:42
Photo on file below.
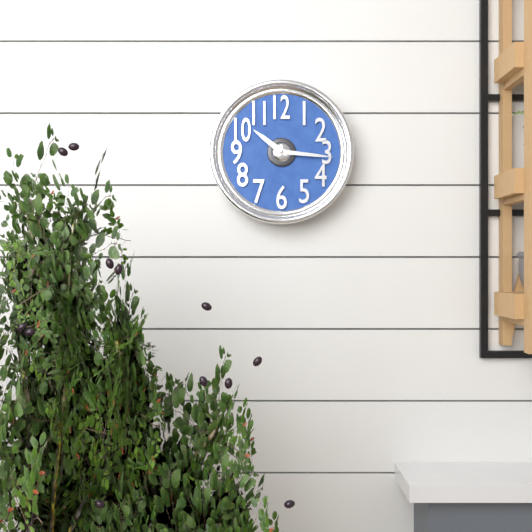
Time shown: 10:16
